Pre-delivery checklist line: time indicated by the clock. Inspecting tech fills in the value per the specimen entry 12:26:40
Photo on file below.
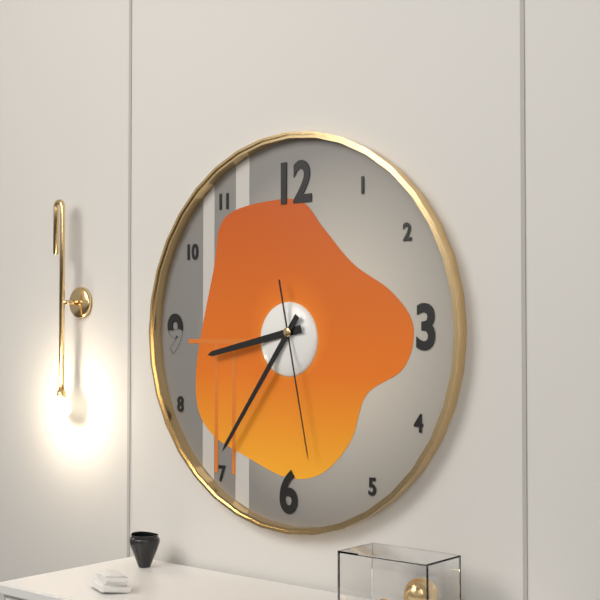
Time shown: 8:36:28
